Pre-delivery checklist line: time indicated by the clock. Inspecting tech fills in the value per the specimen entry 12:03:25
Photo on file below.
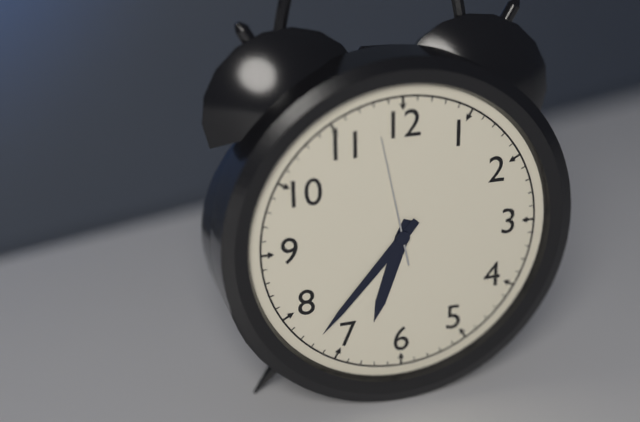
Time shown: 6:37:58
